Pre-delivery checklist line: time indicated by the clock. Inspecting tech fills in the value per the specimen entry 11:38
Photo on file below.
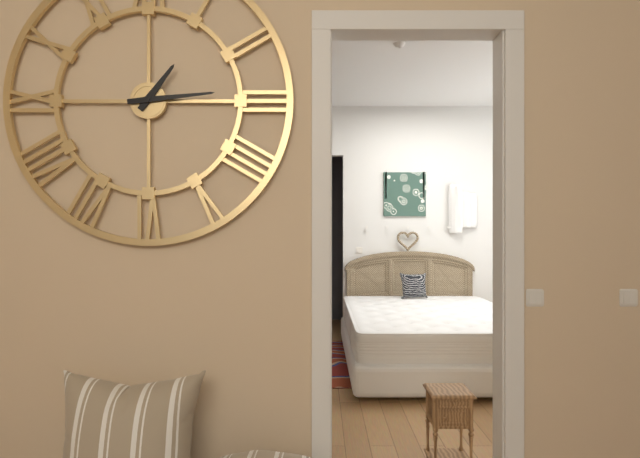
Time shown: 1:14
